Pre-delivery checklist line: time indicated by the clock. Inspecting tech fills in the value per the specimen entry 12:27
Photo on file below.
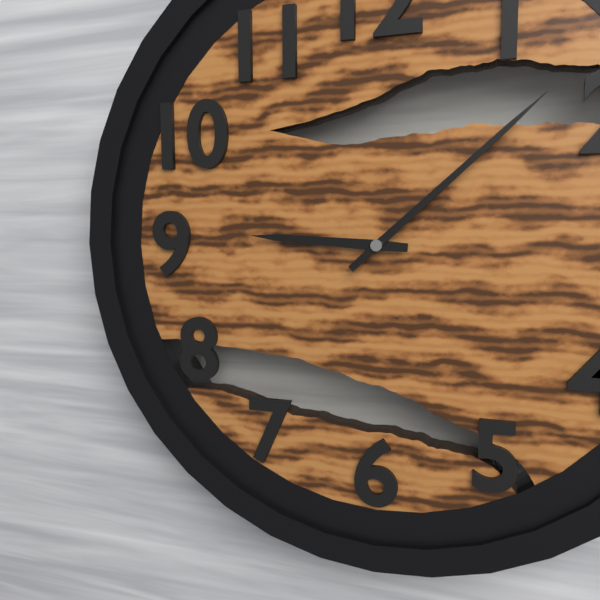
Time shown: 9:08
